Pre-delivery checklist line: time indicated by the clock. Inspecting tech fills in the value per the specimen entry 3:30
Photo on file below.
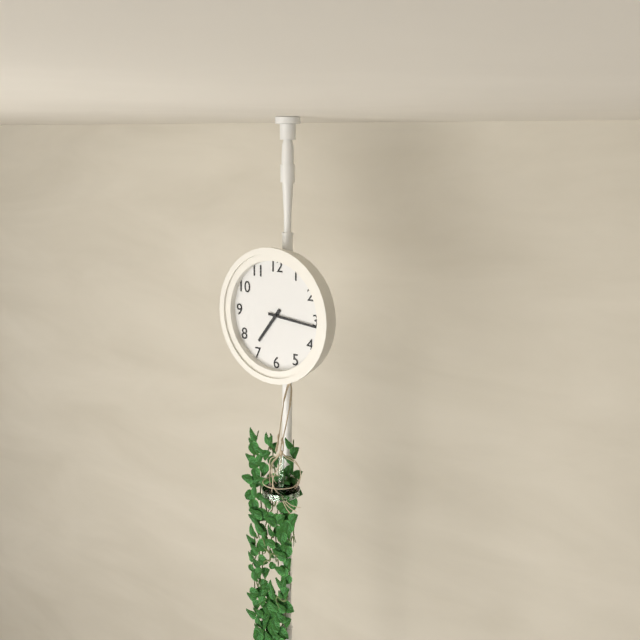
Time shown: 7:16
